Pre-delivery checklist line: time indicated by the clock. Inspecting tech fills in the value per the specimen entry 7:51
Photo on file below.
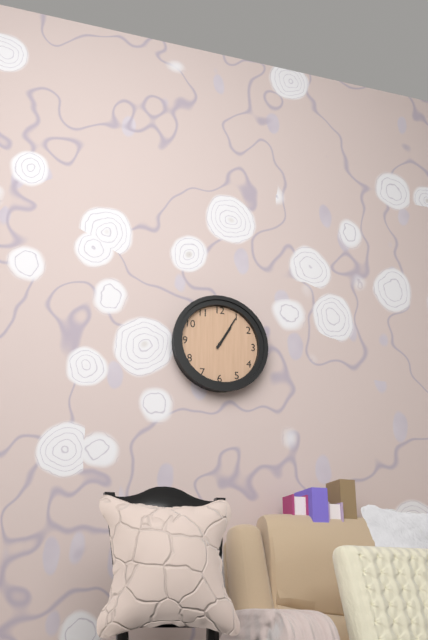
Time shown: 1:05
